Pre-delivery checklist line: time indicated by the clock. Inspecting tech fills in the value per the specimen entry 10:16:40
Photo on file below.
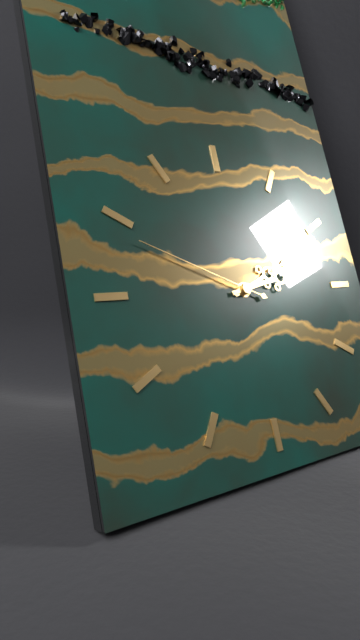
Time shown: 2:13:49
